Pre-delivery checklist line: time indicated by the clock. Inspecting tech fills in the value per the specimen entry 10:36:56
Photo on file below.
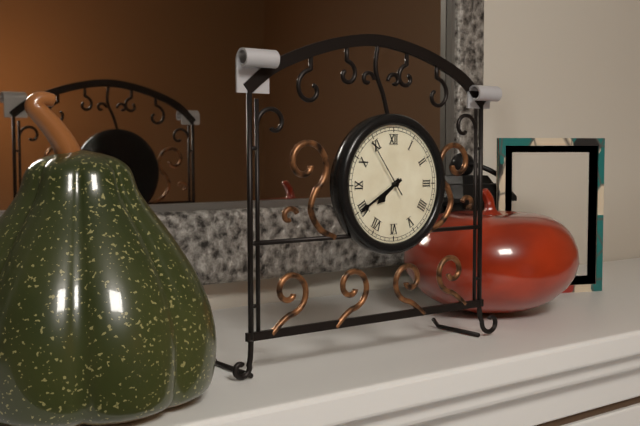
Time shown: 7:40:54
